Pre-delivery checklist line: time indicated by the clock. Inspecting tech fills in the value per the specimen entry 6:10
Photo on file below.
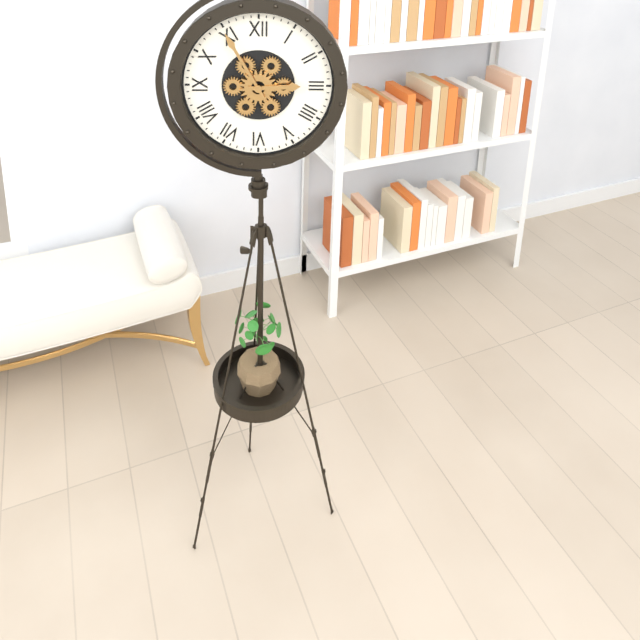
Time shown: 2:55
